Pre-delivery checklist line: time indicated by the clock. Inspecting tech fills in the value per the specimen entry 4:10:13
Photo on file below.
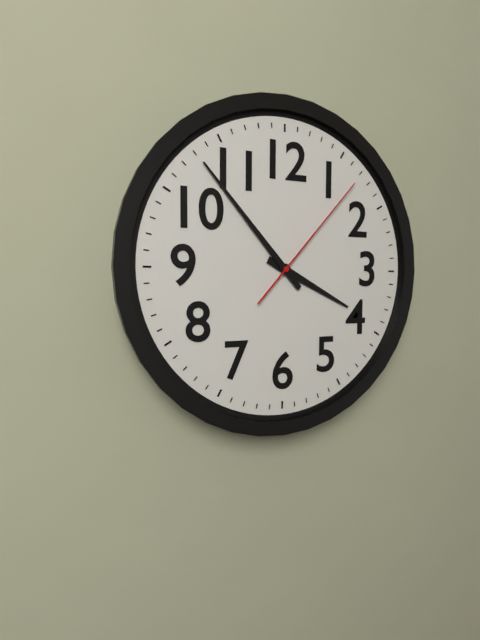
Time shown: 3:53:07
